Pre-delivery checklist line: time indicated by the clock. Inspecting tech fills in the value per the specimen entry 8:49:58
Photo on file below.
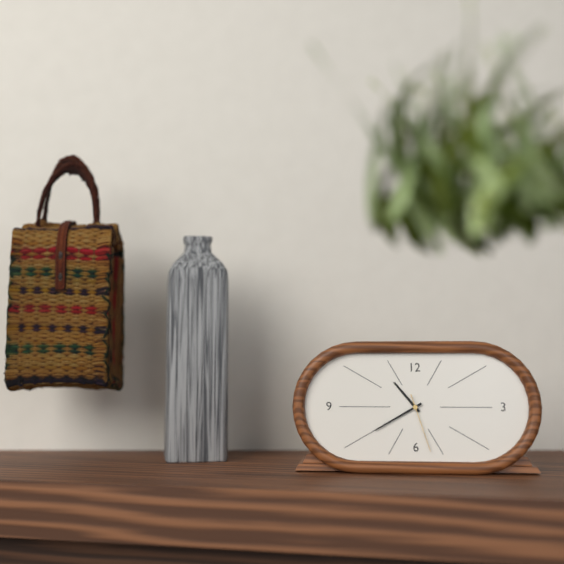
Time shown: 10:40:27
